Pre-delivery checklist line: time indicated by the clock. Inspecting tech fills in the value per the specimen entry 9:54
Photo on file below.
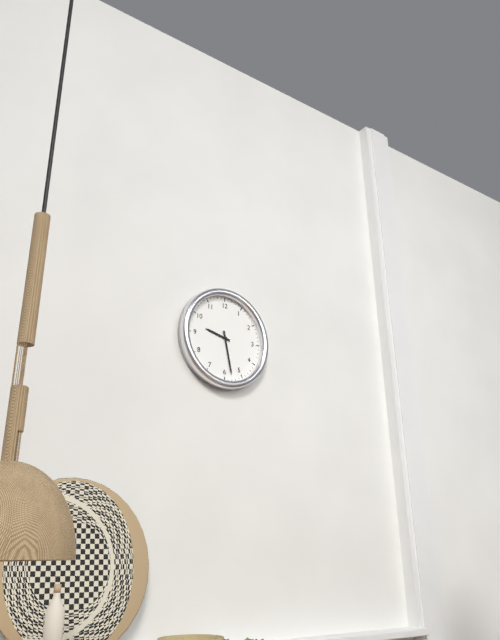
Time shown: 9:28
